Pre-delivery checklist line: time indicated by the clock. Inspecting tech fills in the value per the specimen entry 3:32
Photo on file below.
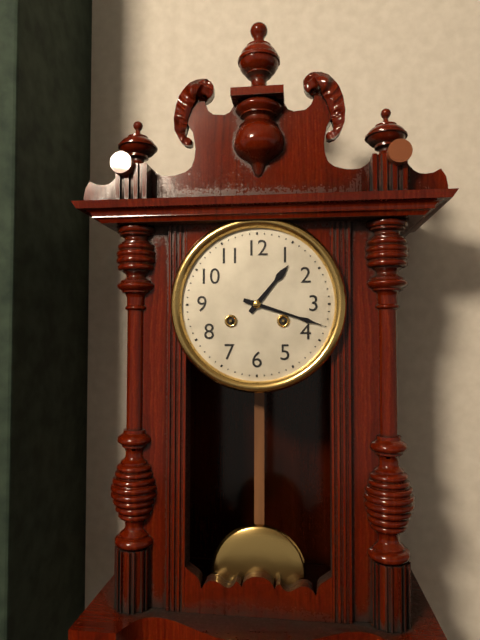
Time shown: 1:18
